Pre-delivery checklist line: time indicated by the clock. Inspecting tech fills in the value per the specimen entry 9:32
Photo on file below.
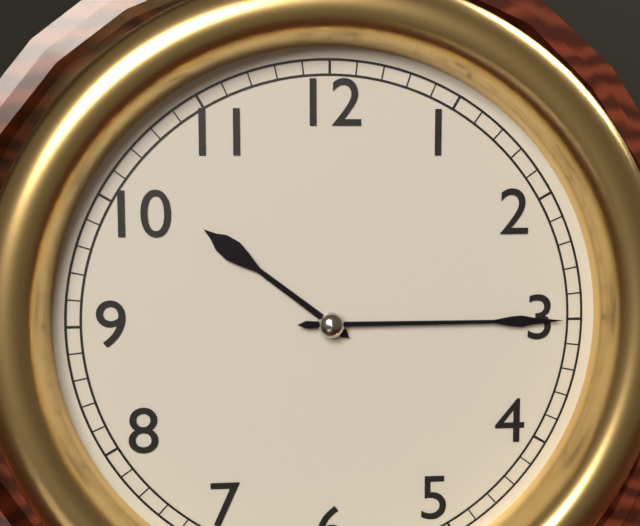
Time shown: 10:15
